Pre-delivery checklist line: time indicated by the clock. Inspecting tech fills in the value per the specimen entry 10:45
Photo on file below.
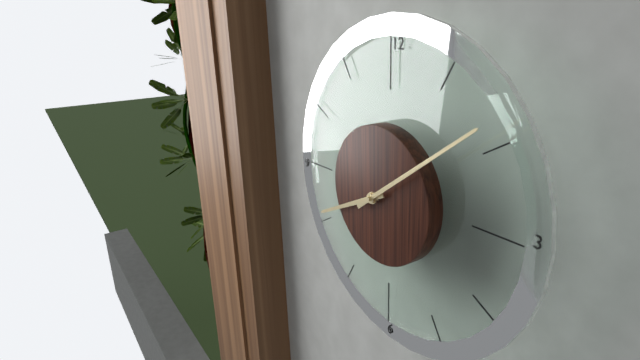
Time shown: 8:09
